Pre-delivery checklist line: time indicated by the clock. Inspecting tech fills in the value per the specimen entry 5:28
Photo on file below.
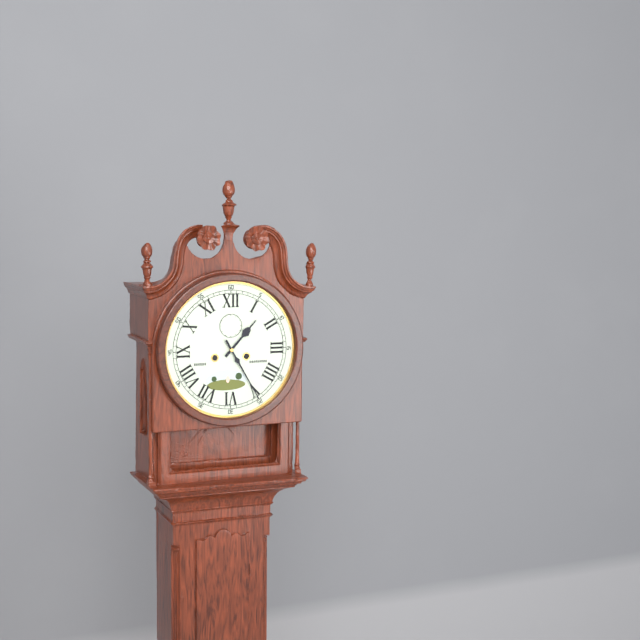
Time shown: 1:25
